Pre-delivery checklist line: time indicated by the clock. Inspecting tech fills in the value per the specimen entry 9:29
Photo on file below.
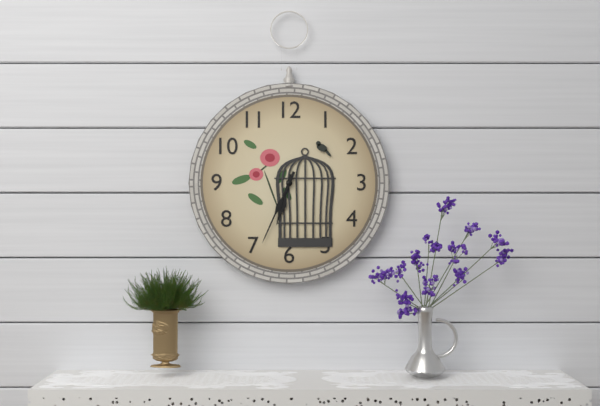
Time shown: 6:34
